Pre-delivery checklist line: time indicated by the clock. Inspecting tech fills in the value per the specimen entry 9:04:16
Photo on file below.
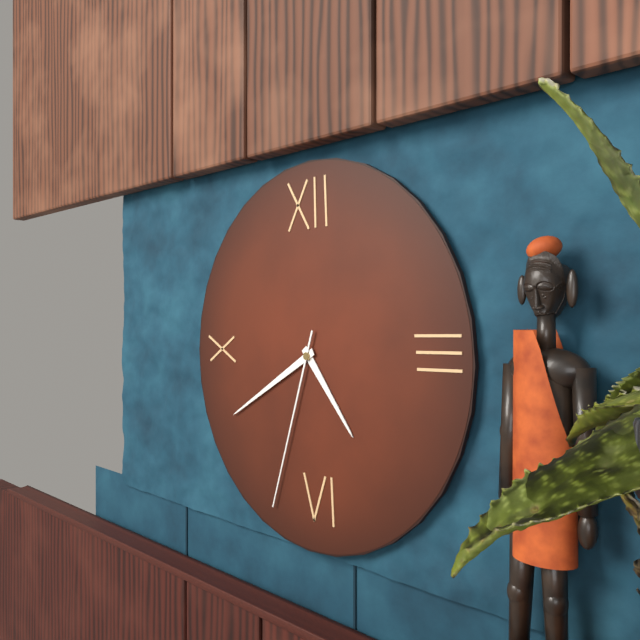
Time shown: 4:40:33
